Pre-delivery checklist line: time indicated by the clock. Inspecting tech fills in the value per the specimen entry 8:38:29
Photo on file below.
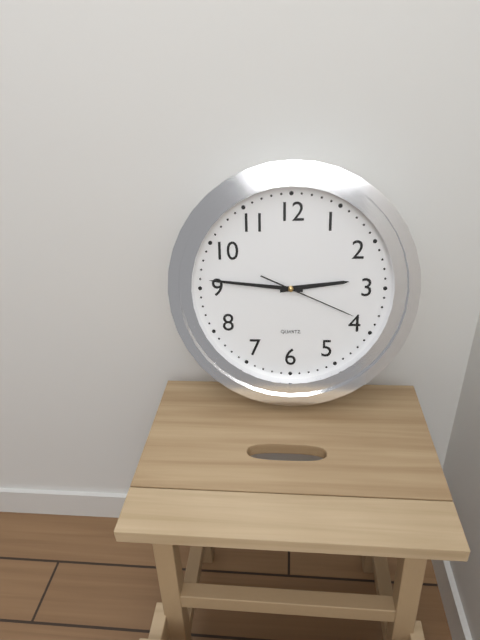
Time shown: 2:46:19
